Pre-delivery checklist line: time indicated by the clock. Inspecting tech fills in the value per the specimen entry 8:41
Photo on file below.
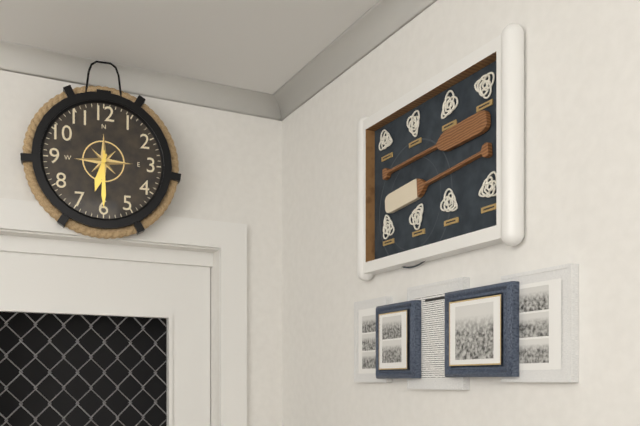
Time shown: 6:30
